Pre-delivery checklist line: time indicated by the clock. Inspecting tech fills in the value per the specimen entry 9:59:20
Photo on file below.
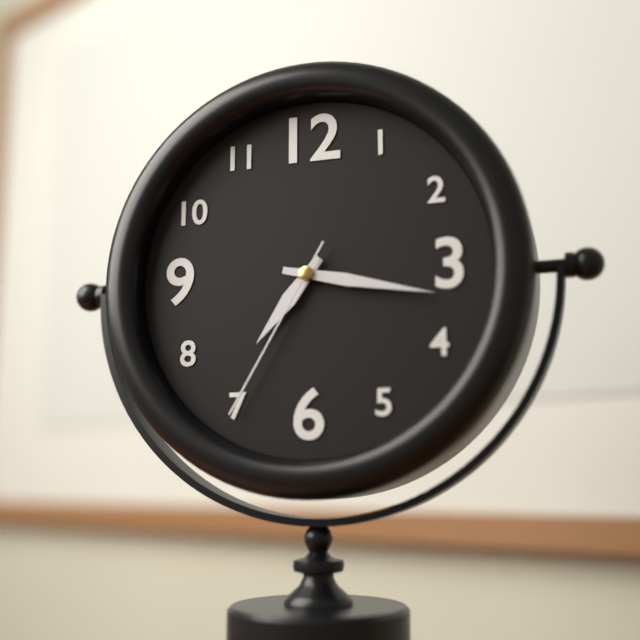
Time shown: 7:17:35
